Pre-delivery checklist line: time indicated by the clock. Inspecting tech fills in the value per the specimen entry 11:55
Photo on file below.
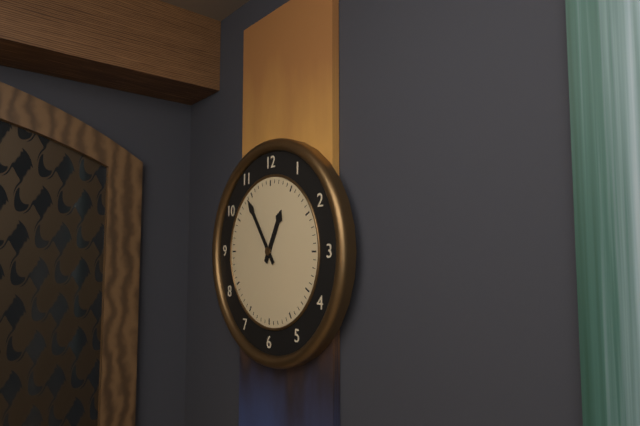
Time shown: 12:54
